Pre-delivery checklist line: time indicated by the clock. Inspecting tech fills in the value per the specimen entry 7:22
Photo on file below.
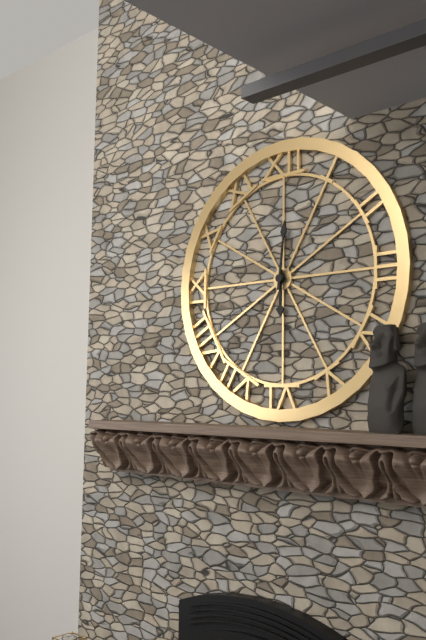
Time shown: 6:01
